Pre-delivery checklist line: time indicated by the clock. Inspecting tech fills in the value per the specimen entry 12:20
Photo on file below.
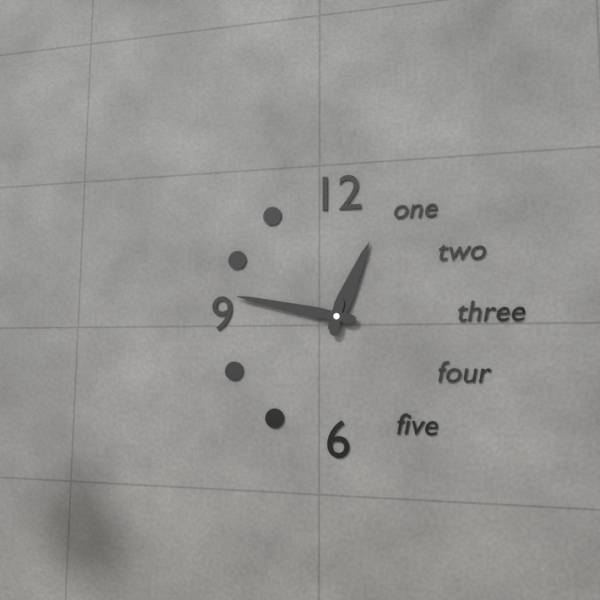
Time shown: 12:47
